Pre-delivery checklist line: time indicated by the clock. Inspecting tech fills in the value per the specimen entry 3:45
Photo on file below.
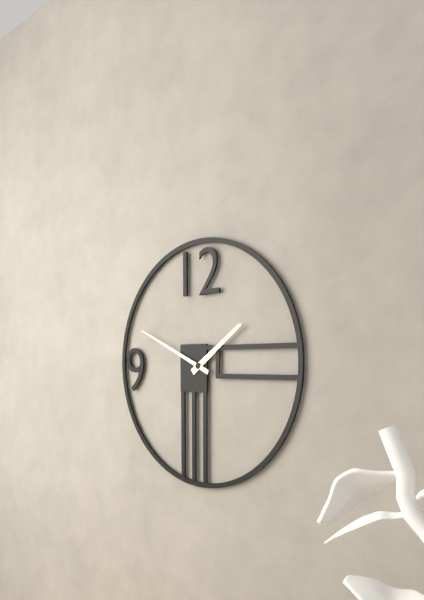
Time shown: 1:49
